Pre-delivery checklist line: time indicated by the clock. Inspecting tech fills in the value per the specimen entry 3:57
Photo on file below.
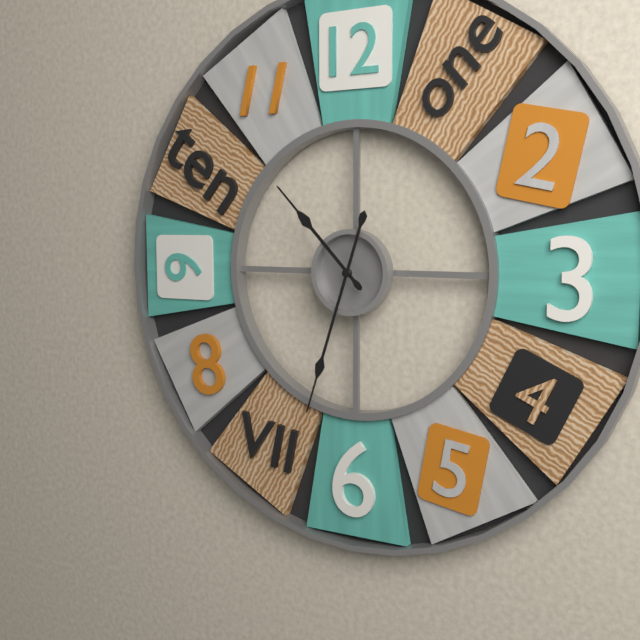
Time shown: 10:33
